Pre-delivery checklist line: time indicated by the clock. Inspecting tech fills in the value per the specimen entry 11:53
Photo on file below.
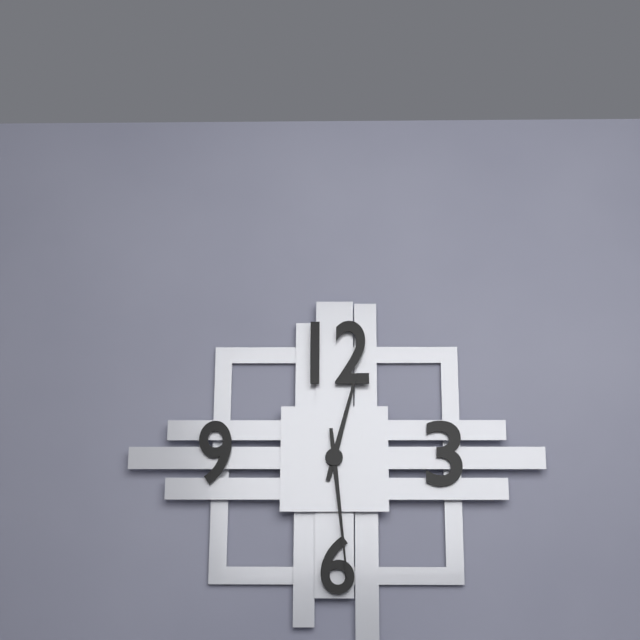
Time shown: 12:29
